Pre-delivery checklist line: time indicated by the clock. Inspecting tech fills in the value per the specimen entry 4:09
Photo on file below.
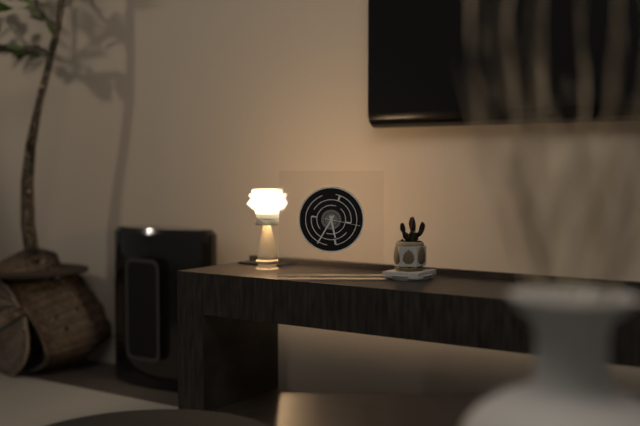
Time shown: 5:35
